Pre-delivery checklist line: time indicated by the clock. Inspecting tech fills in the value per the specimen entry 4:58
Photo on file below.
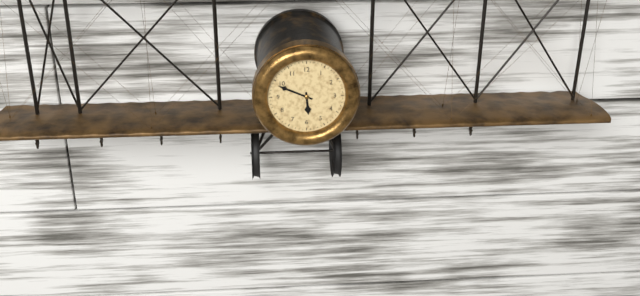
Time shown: 5:49
